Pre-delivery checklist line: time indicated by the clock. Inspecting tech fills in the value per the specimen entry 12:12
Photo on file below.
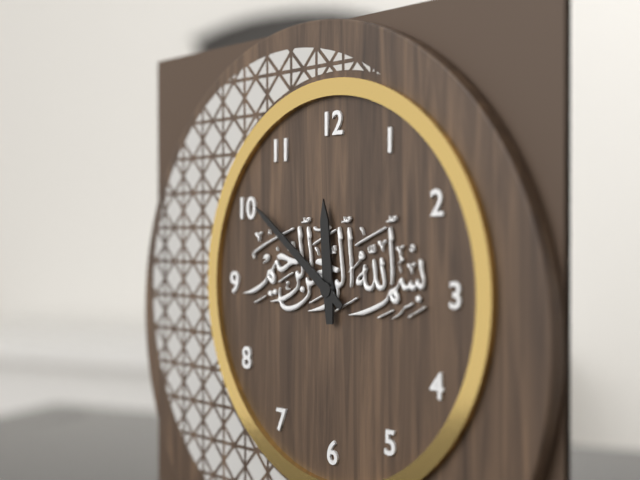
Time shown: 11:51
